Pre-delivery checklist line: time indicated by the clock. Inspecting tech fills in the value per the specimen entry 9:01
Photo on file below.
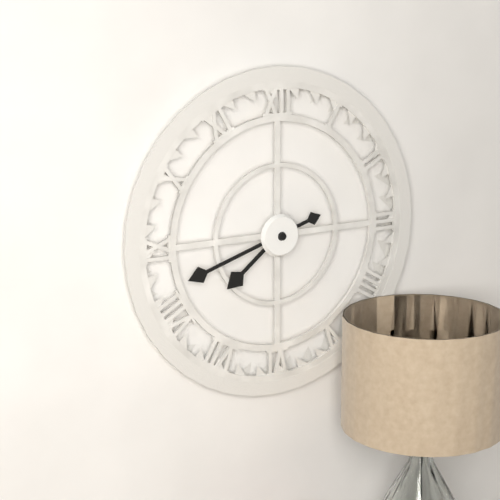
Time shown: 7:42
